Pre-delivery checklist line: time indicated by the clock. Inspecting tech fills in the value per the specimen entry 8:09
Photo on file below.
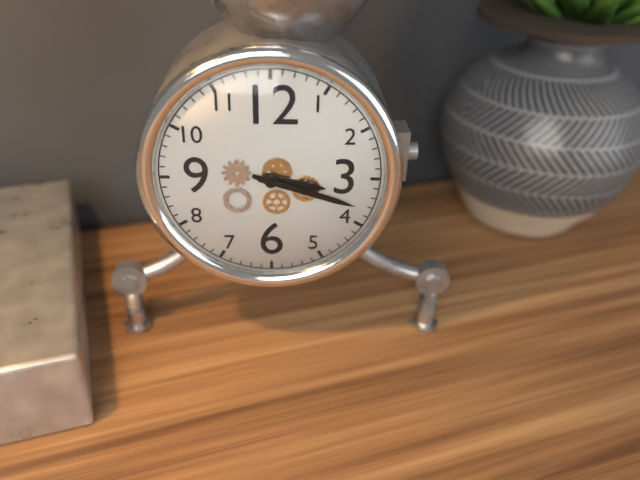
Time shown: 3:18
